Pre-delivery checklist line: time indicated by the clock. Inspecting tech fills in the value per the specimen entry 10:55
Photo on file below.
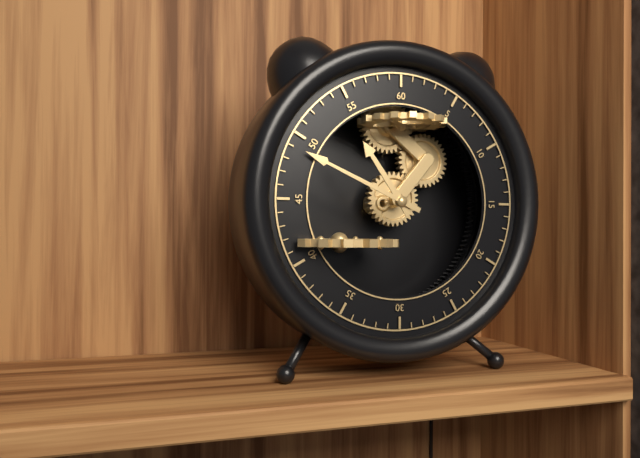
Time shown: 10:49
